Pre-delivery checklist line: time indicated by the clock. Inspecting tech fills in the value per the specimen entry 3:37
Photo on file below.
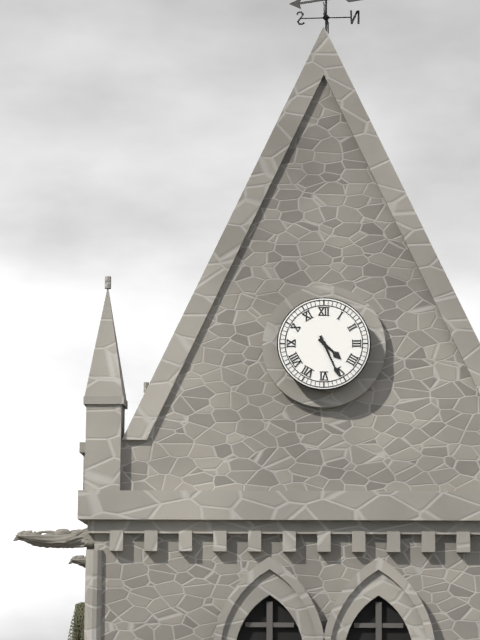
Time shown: 4:26
